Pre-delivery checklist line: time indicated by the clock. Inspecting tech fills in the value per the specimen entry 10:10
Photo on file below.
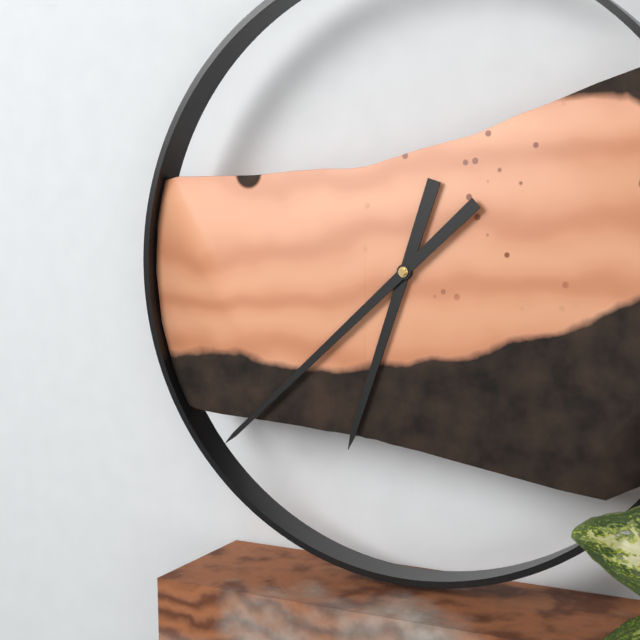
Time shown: 6:38
